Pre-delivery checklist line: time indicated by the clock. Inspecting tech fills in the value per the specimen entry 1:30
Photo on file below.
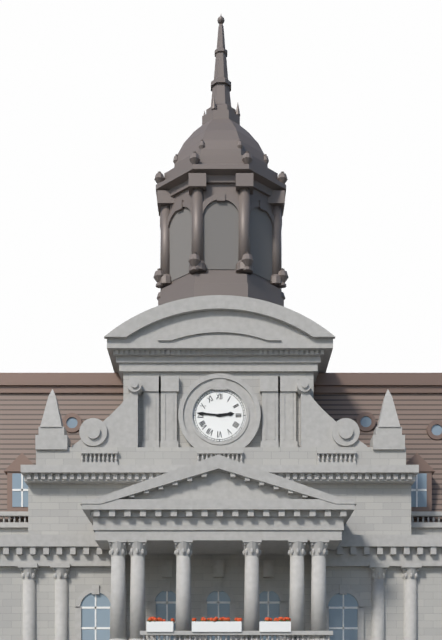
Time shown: 2:46
